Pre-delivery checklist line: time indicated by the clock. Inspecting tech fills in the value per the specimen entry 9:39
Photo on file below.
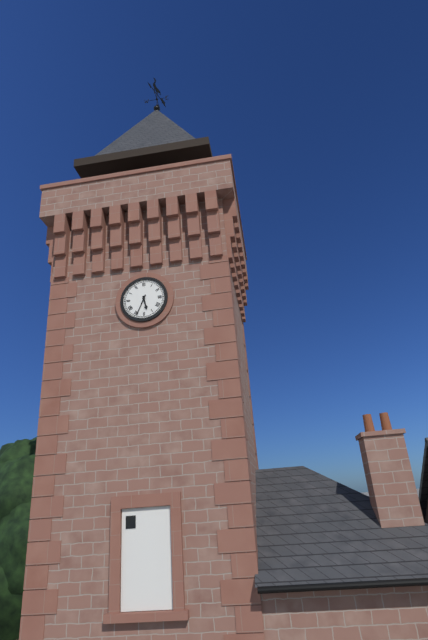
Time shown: 5:34
